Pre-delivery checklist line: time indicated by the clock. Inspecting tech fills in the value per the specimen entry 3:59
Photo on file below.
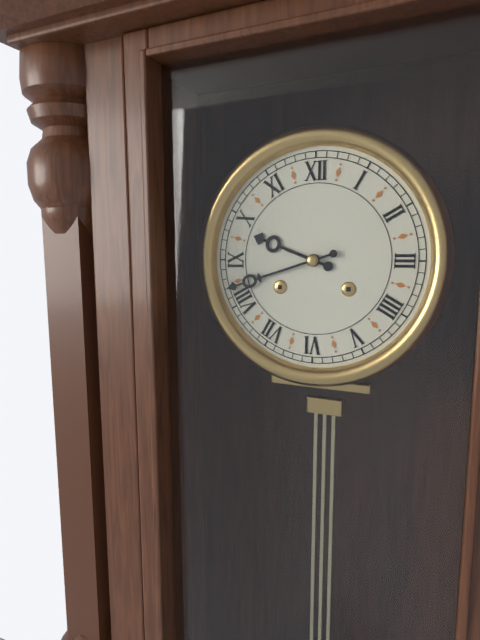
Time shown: 9:42
